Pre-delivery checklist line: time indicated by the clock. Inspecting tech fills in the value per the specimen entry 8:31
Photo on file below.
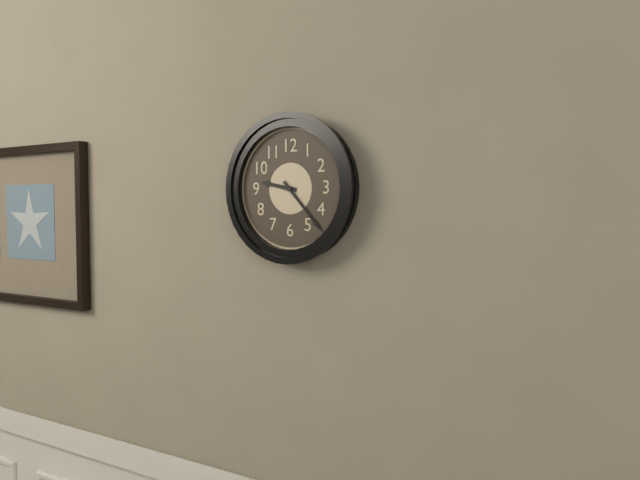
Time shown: 9:23
